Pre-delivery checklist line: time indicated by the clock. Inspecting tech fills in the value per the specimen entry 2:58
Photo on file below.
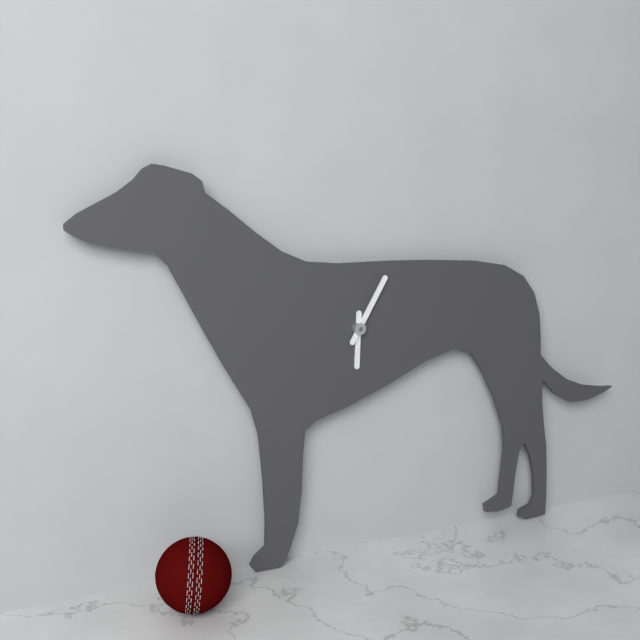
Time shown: 6:05
